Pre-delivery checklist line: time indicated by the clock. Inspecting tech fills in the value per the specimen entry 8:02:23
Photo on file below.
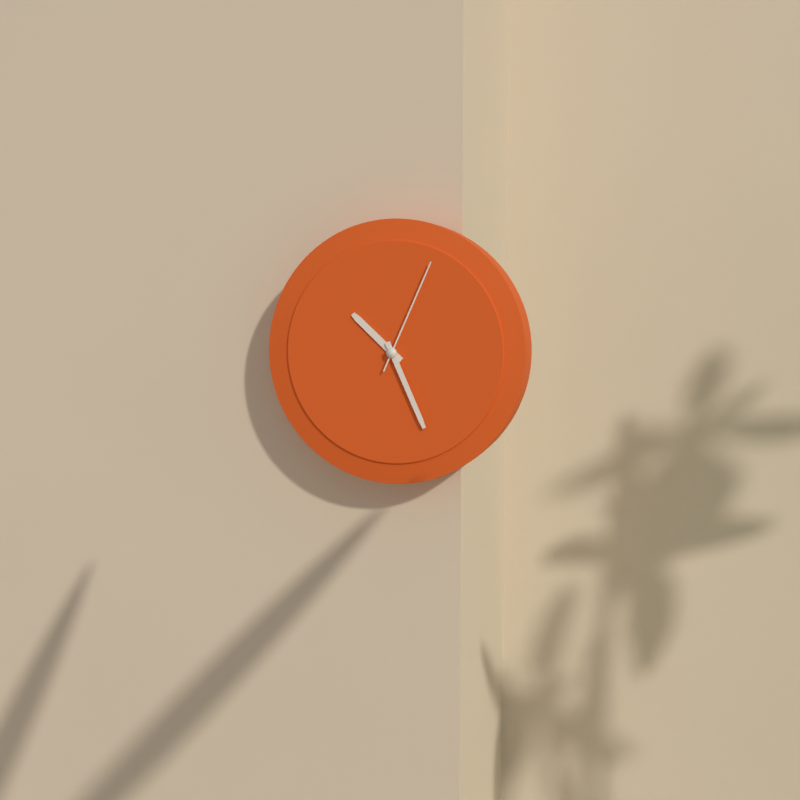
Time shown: 10:26:04
